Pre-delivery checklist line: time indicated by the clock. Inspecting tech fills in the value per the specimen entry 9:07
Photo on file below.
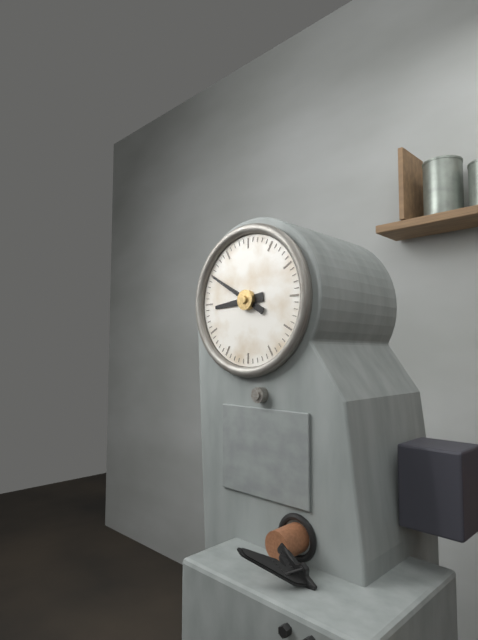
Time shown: 8:50
